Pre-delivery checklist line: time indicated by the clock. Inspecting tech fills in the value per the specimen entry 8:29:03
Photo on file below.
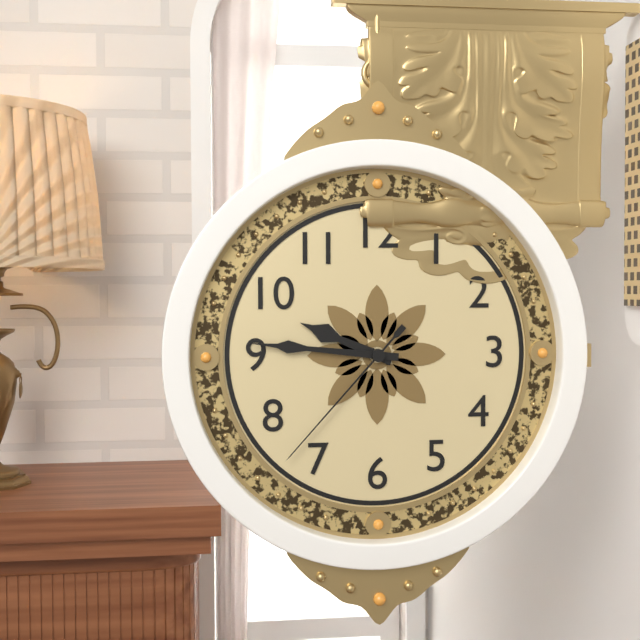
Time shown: 9:46:37
